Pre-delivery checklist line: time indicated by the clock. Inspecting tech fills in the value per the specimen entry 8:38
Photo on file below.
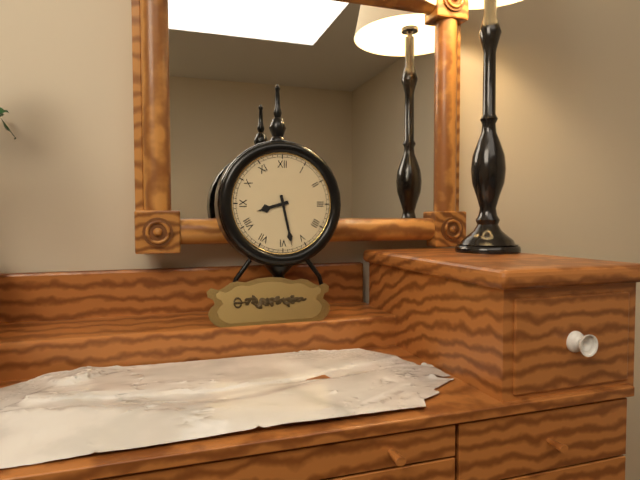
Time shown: 8:28
